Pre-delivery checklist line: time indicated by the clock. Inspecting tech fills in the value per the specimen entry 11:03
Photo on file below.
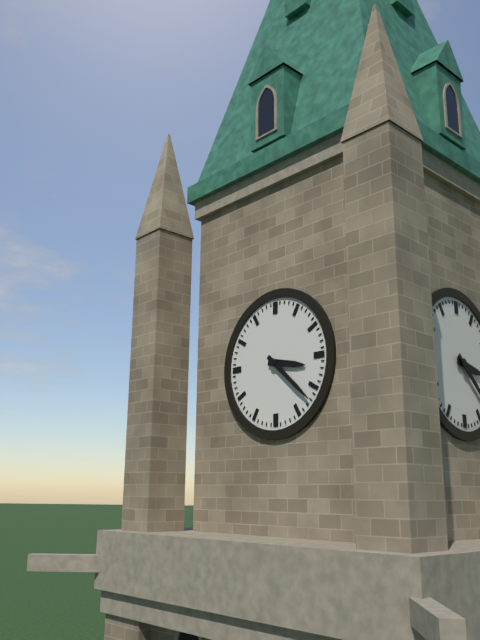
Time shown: 3:22
